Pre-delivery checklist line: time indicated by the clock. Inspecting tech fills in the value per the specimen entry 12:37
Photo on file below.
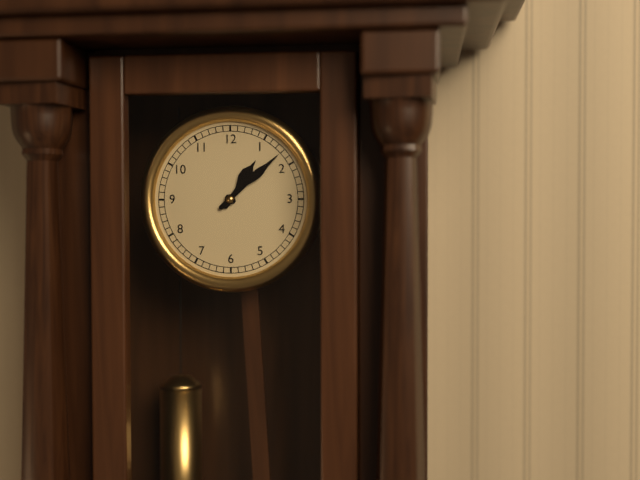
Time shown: 1:08
